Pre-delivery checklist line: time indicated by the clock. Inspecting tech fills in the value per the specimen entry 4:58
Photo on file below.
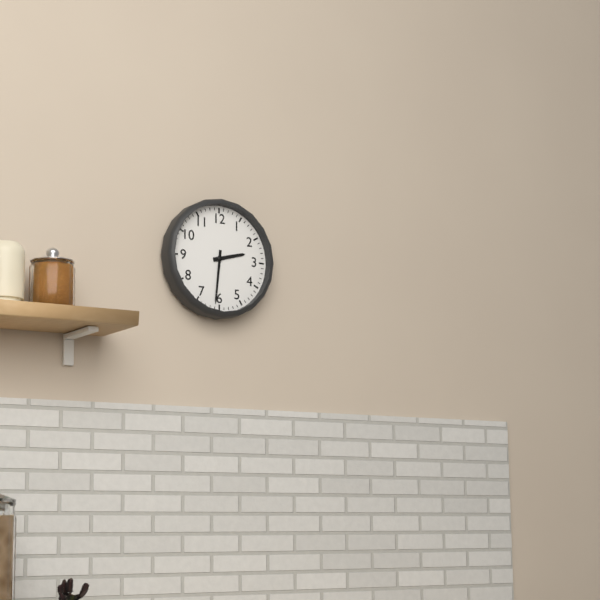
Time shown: 2:31
